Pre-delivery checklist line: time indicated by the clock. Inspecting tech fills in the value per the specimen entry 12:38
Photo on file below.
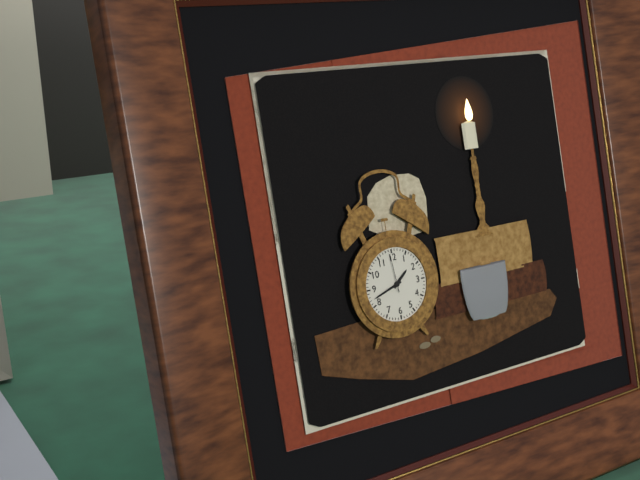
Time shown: 1:42
